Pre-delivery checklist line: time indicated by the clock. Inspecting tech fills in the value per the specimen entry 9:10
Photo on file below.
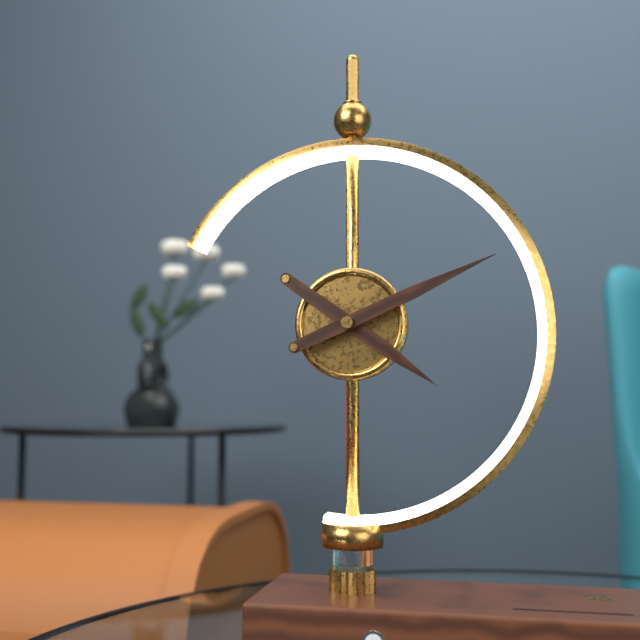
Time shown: 4:11
